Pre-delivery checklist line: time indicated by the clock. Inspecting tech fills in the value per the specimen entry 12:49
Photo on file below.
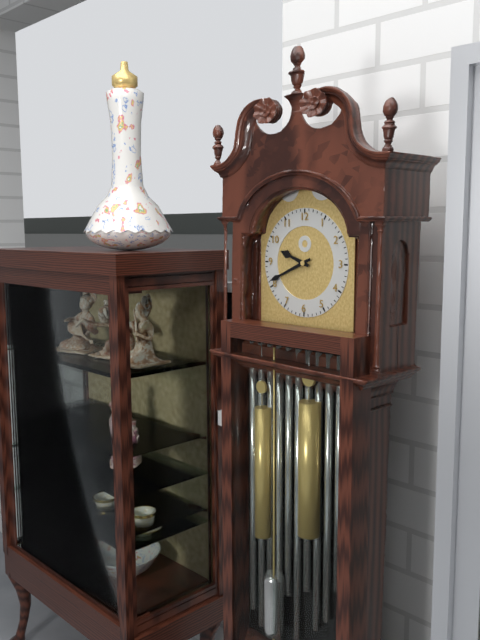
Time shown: 9:41
